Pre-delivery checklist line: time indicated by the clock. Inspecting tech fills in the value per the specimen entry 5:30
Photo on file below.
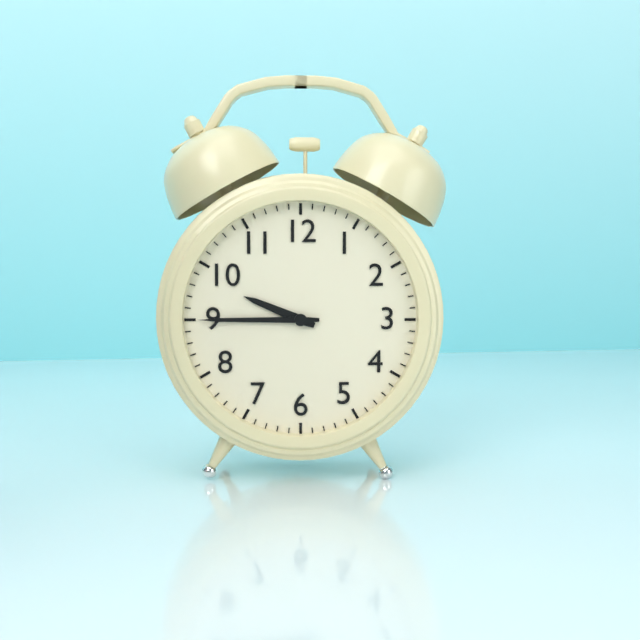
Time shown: 9:45
